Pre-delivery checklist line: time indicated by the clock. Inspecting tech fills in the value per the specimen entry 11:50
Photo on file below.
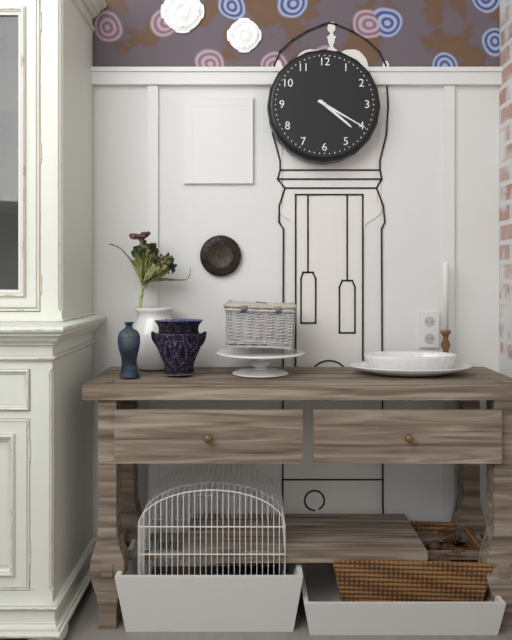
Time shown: 4:20
